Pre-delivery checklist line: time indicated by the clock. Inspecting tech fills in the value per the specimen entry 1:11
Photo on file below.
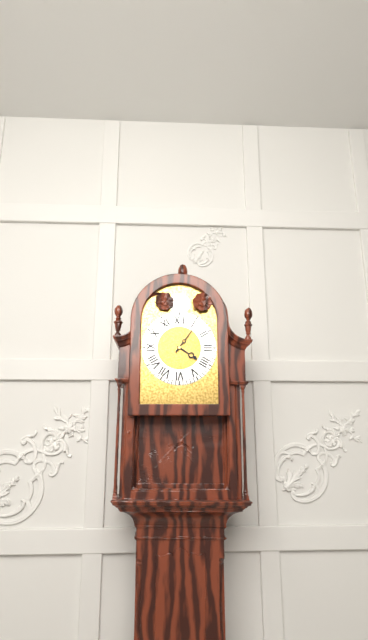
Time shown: 4:06
